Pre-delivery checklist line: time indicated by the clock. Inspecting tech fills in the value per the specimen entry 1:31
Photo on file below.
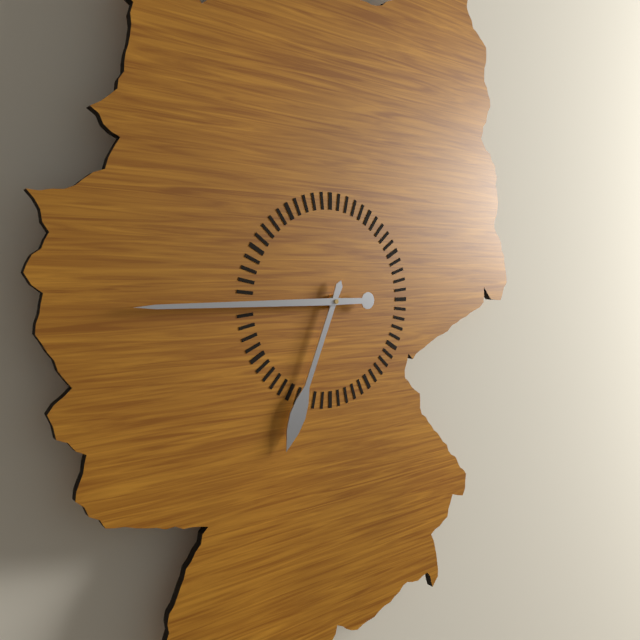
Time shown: 6:45
